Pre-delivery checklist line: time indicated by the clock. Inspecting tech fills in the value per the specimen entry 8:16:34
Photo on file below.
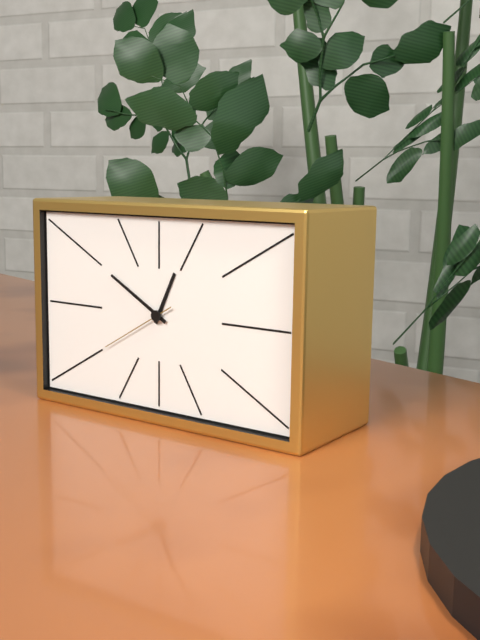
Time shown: 12:50:40
